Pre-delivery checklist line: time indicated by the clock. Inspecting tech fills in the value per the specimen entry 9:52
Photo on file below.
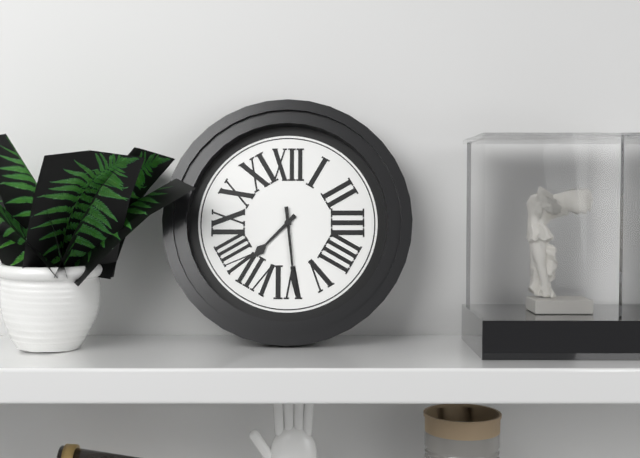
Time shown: 7:29
